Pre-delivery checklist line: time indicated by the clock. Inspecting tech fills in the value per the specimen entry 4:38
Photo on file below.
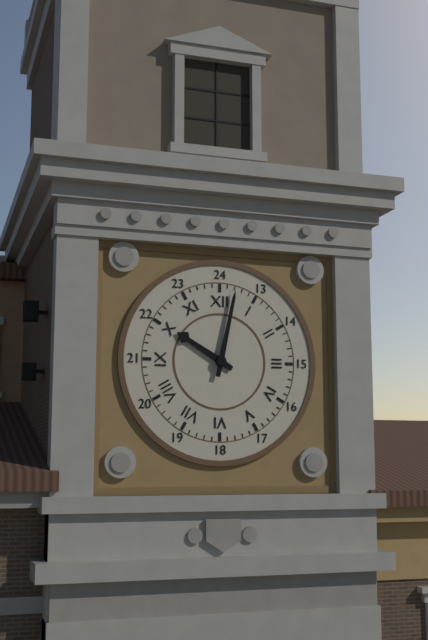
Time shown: 10:02
